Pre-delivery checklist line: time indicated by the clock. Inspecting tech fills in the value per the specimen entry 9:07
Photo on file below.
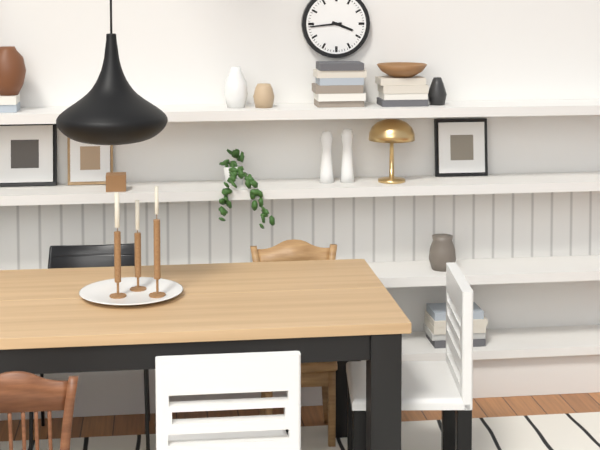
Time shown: 3:44
